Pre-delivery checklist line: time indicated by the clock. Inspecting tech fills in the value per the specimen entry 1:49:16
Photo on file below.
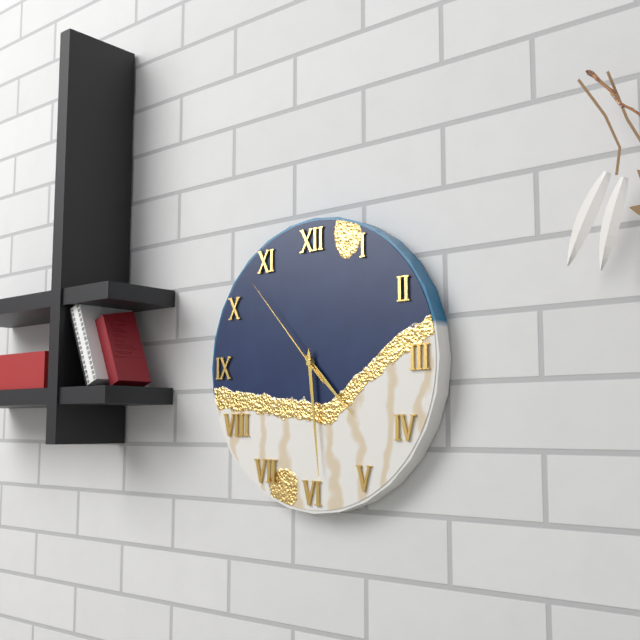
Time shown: 4:29:53
